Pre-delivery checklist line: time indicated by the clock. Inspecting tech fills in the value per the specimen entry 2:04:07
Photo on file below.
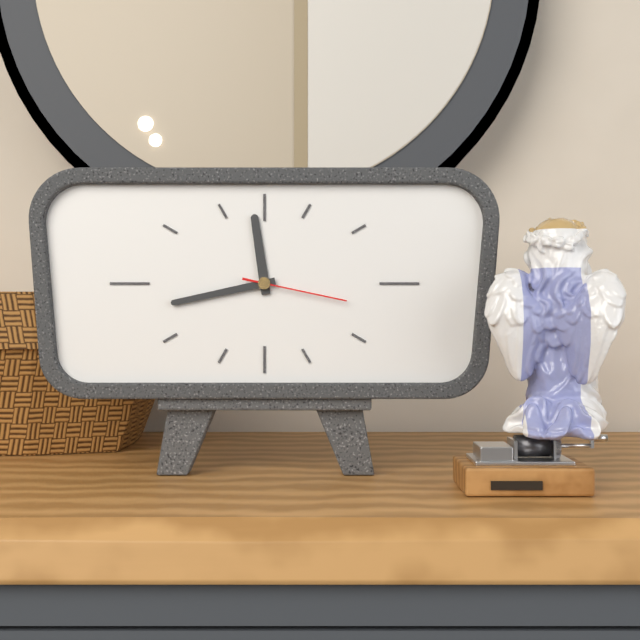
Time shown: 11:43:17
